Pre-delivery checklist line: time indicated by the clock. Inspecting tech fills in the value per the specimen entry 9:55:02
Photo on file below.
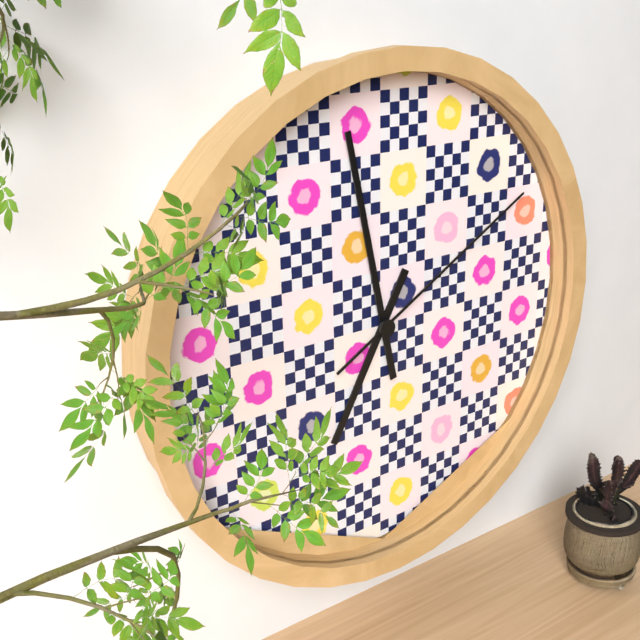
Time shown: 6:58:10
